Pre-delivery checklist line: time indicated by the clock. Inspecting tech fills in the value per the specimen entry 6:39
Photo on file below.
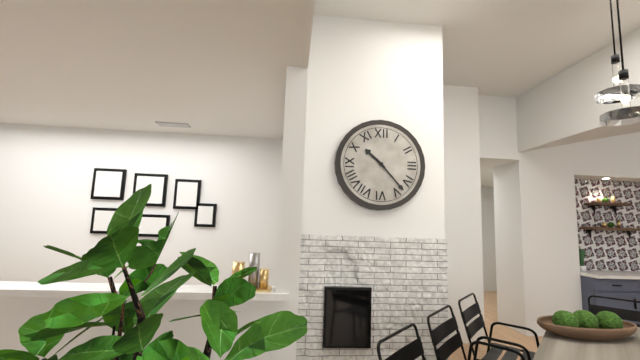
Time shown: 10:23
